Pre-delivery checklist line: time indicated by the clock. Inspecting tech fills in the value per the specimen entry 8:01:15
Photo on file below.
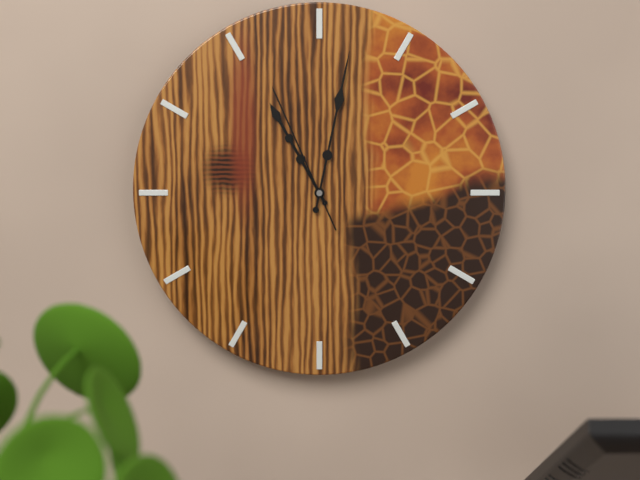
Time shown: 11:02:56
